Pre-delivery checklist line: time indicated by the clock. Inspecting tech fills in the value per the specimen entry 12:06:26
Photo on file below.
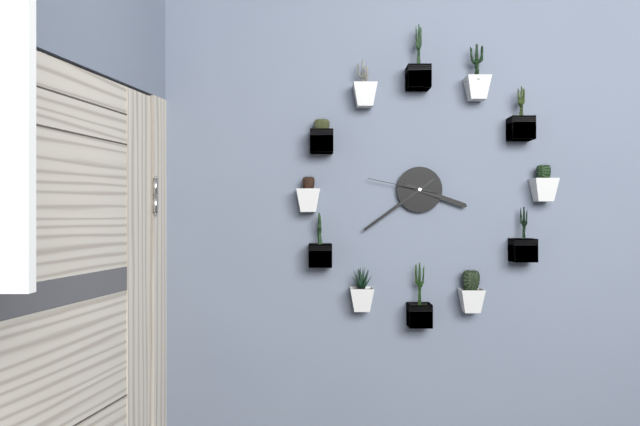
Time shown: 3:39:47
